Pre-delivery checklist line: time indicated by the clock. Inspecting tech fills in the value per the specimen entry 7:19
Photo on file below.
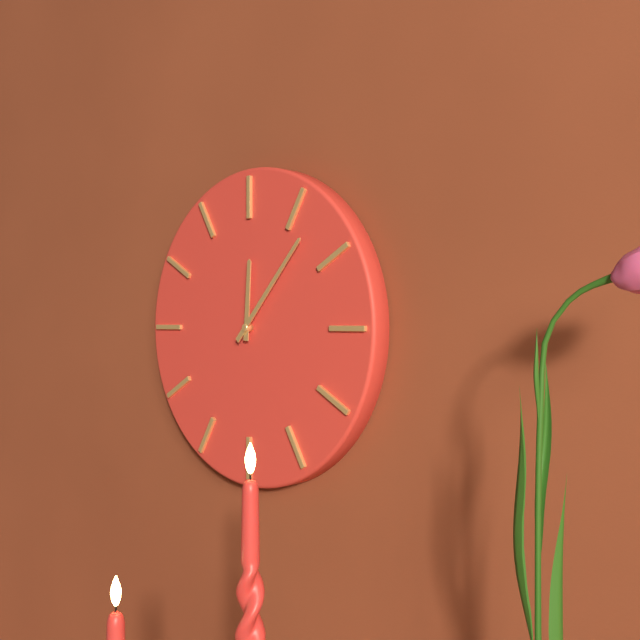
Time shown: 12:07
